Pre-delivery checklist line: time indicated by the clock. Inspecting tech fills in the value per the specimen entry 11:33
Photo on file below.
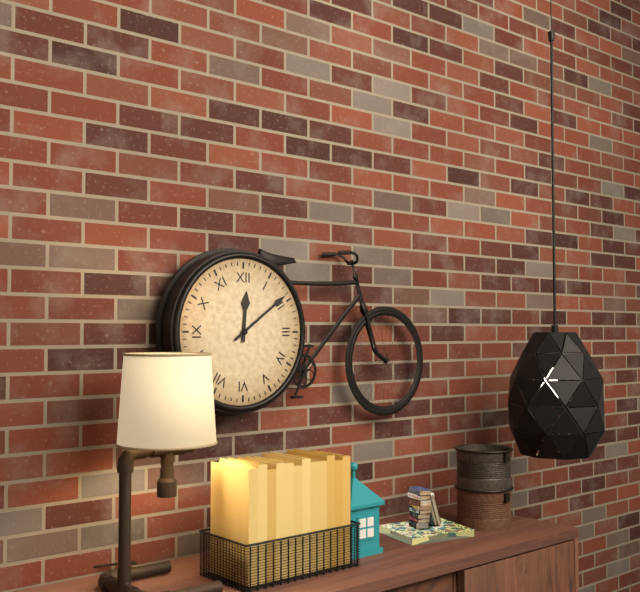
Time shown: 12:09
